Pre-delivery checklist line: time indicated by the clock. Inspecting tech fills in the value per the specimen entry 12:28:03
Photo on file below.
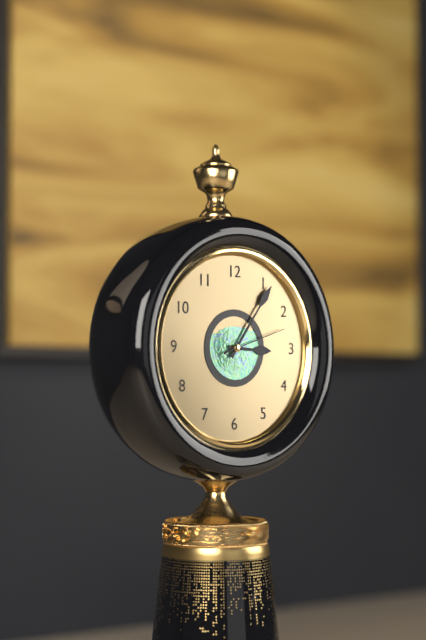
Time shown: 3:06:12
